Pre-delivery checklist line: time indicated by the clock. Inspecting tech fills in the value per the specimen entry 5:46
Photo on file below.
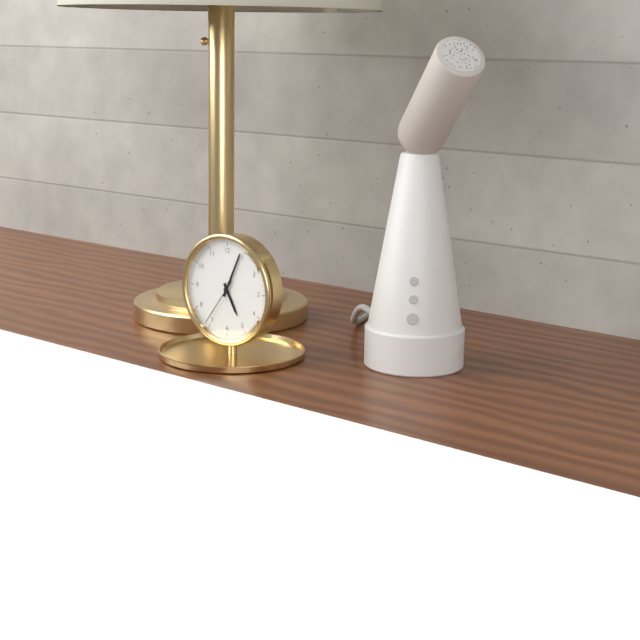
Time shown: 5:04
